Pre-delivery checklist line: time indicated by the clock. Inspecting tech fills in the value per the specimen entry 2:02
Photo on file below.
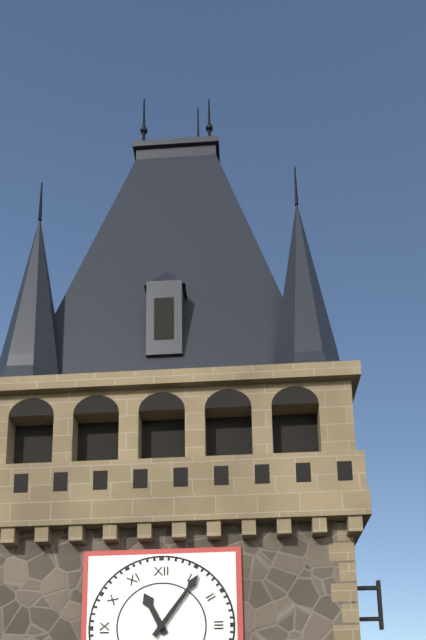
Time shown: 11:06
